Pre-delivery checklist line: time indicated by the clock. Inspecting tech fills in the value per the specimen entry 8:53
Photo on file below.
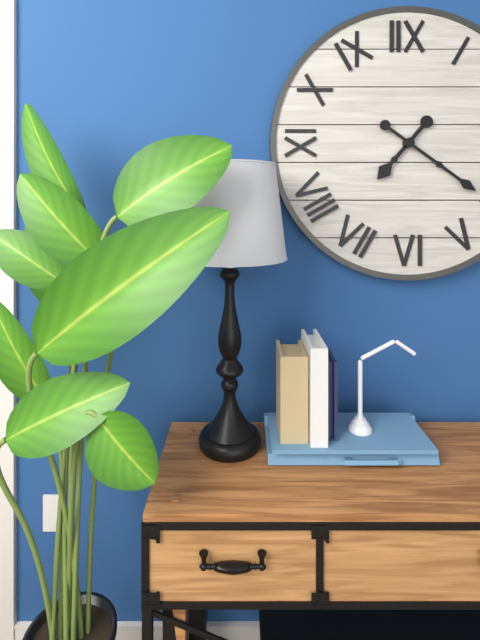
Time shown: 7:21
